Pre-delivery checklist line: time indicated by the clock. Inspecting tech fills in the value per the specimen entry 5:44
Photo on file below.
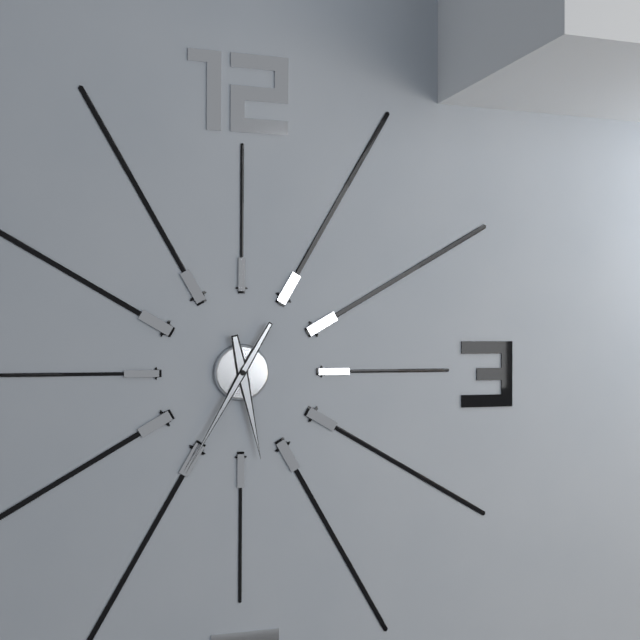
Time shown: 5:35
